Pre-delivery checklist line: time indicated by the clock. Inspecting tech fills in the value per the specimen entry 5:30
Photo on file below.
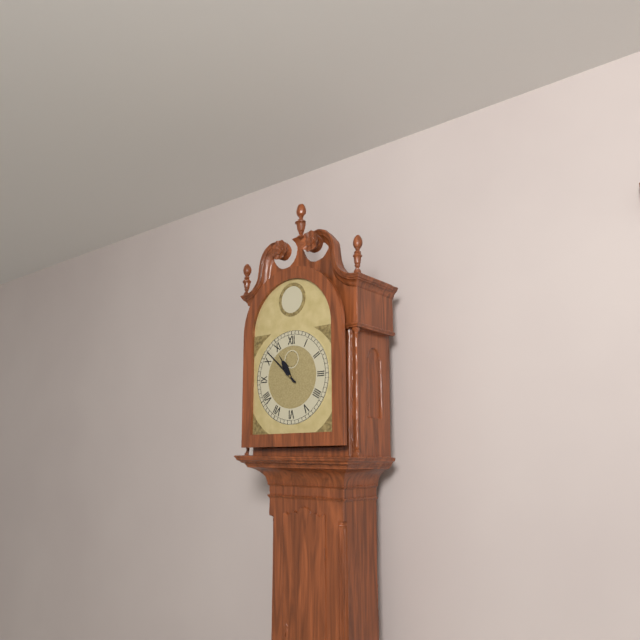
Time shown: 10:52
